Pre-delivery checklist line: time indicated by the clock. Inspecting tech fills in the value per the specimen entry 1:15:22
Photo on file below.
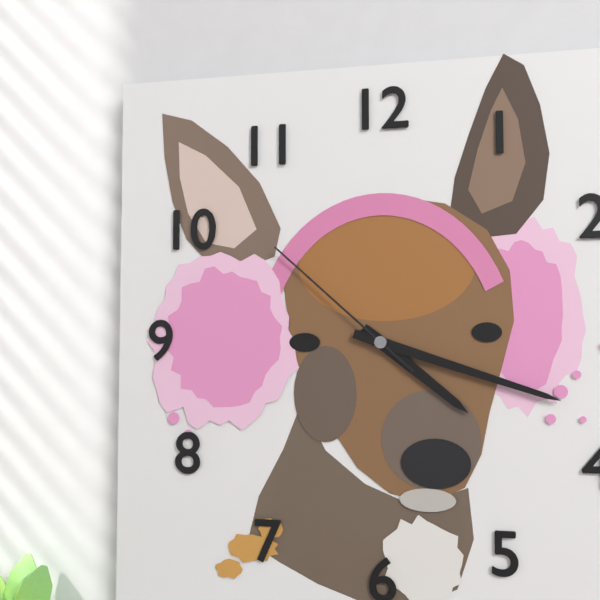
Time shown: 4:18:52
